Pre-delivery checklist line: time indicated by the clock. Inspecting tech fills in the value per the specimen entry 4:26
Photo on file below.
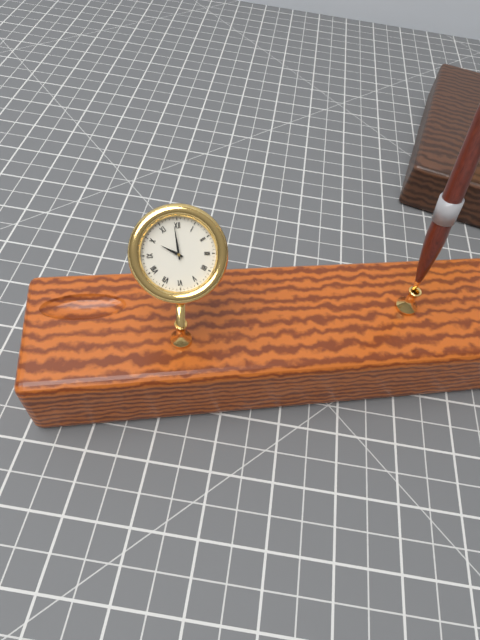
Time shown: 9:59
